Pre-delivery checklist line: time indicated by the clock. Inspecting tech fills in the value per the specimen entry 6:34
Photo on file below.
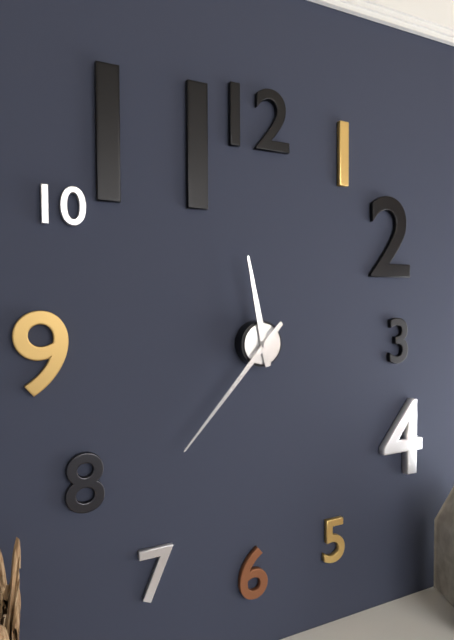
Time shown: 11:37
